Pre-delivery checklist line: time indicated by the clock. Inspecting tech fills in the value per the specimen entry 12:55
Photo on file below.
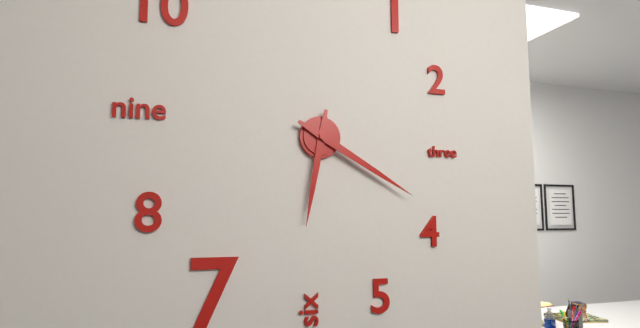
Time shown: 6:20
